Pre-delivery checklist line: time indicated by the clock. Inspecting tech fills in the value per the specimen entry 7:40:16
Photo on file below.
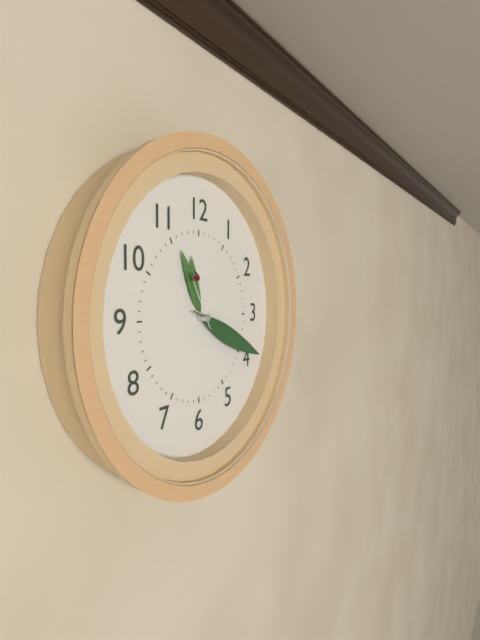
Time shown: 11:19:55
